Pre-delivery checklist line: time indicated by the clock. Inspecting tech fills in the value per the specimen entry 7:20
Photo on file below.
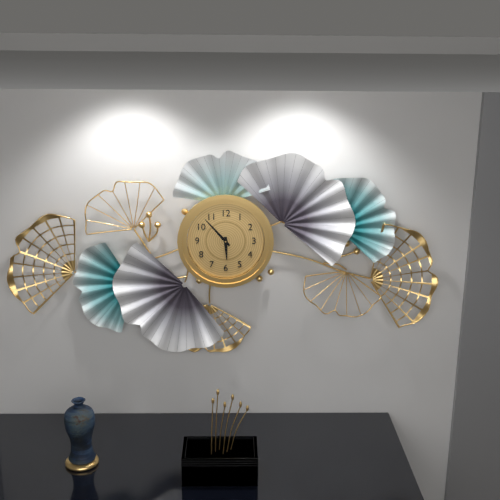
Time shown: 5:53
